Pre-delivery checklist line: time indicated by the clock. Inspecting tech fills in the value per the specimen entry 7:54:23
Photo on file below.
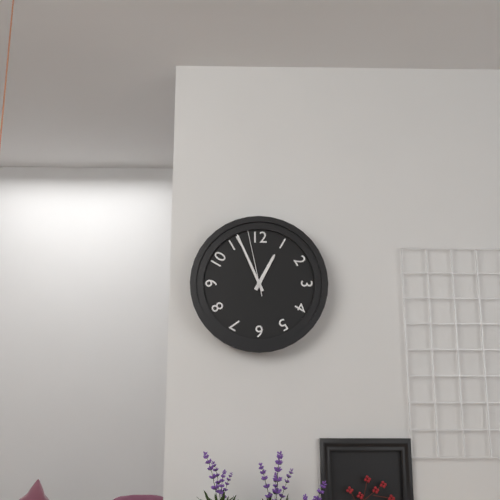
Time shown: 12:56:58
